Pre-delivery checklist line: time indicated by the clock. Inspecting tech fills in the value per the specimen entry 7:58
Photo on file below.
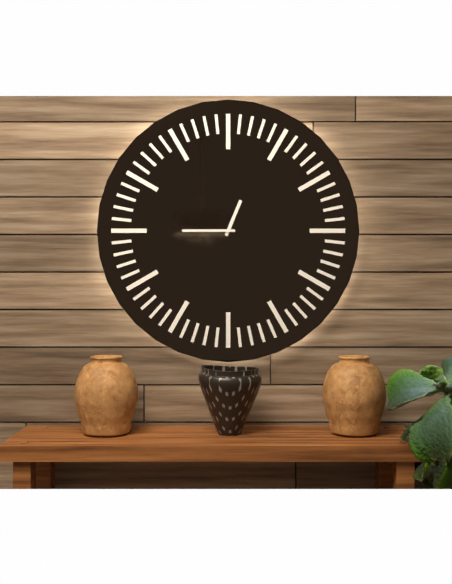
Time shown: 12:45
